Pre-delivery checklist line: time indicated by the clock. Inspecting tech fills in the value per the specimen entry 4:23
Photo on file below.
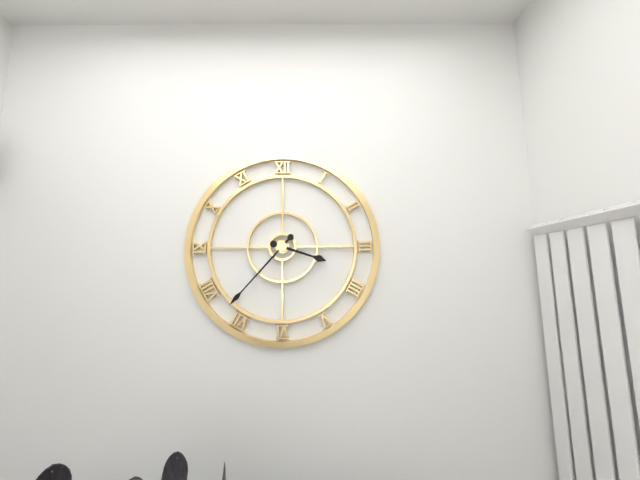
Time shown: 3:37
